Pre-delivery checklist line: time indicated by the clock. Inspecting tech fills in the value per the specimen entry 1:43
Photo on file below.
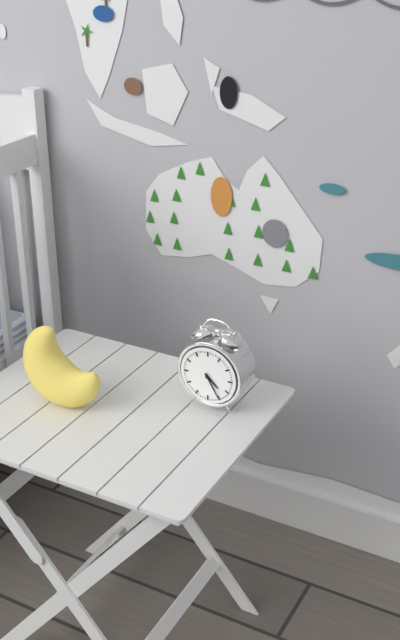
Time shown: 4:25
